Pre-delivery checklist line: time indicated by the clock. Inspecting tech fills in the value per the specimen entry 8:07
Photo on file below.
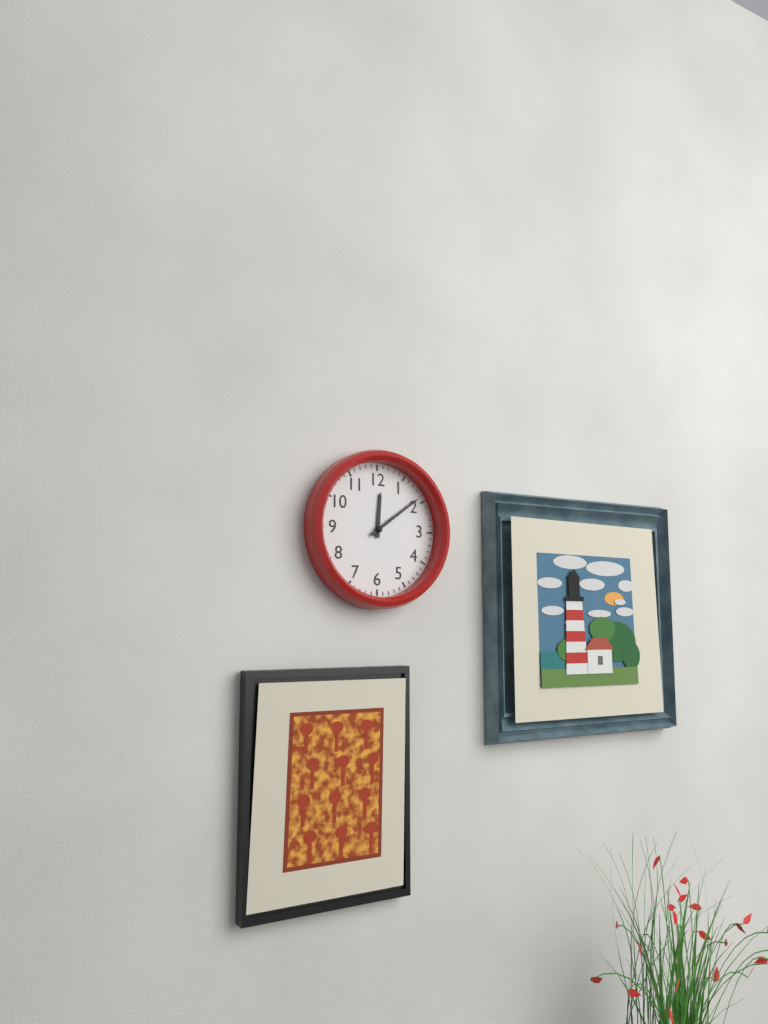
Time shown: 12:09
